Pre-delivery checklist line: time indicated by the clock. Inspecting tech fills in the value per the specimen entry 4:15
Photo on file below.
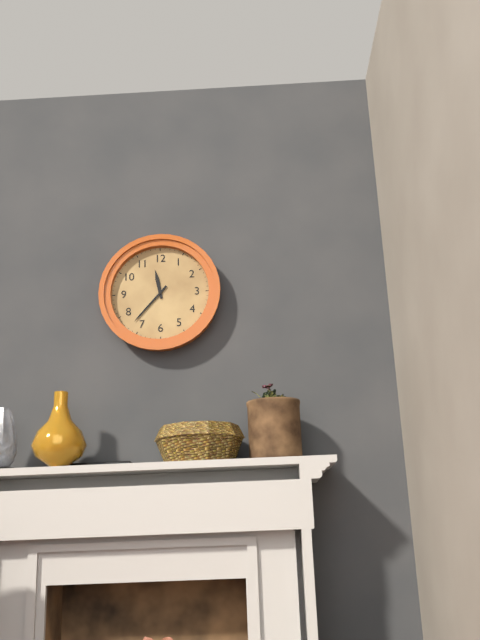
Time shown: 11:37
